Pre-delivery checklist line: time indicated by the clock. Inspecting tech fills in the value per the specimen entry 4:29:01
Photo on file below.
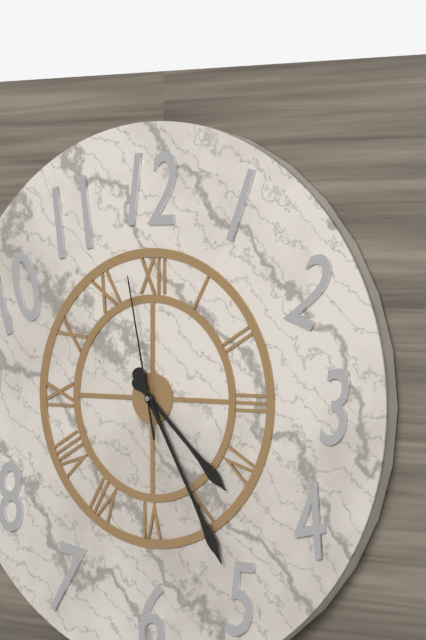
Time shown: 4:25:58
